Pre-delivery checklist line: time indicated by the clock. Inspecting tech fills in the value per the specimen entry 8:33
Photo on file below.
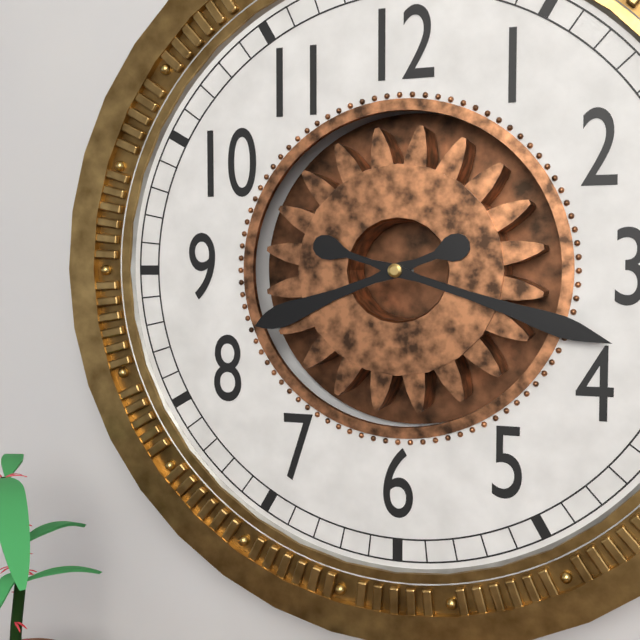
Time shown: 8:18
